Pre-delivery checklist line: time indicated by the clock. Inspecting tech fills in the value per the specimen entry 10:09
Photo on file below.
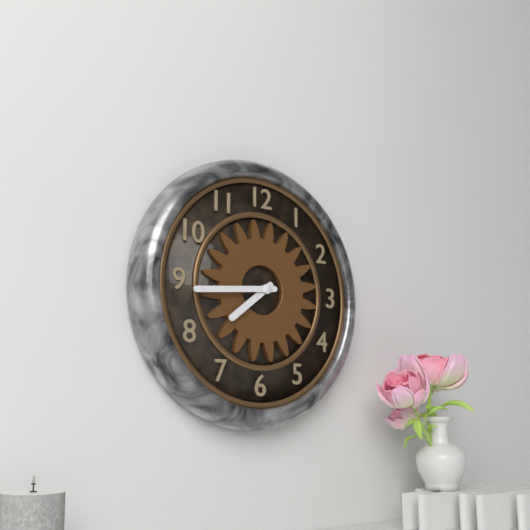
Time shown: 7:44
